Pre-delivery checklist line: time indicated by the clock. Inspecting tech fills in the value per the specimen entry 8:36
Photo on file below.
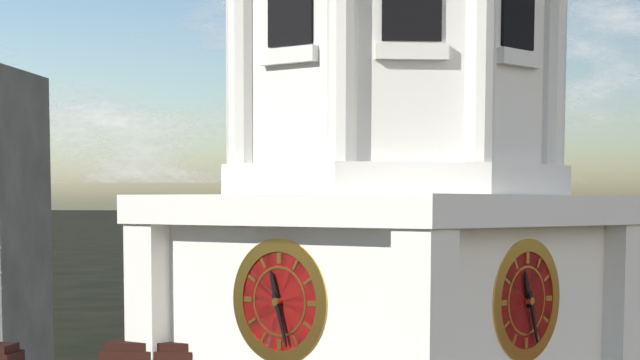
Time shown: 11:27
